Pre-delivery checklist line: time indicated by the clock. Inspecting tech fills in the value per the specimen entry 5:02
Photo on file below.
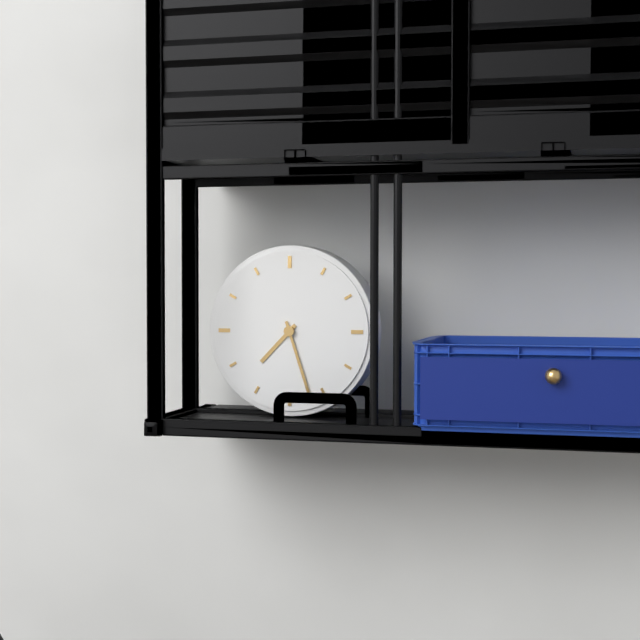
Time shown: 7:27
